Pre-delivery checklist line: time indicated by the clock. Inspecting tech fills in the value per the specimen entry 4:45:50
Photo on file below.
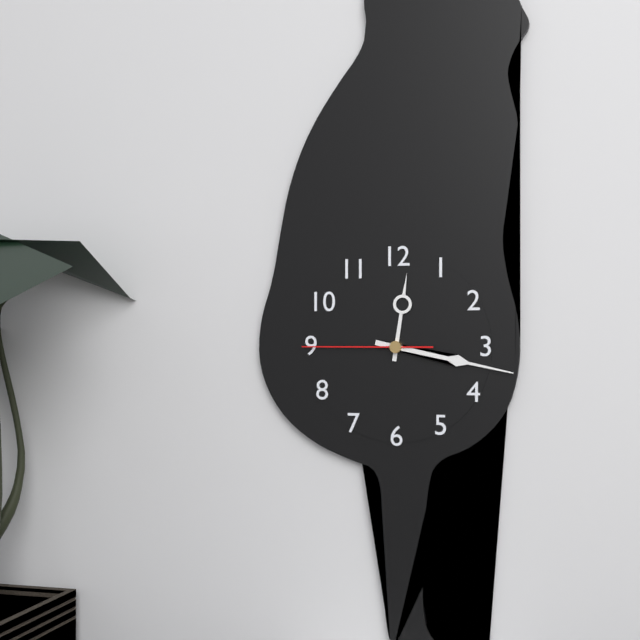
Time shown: 12:17:45
